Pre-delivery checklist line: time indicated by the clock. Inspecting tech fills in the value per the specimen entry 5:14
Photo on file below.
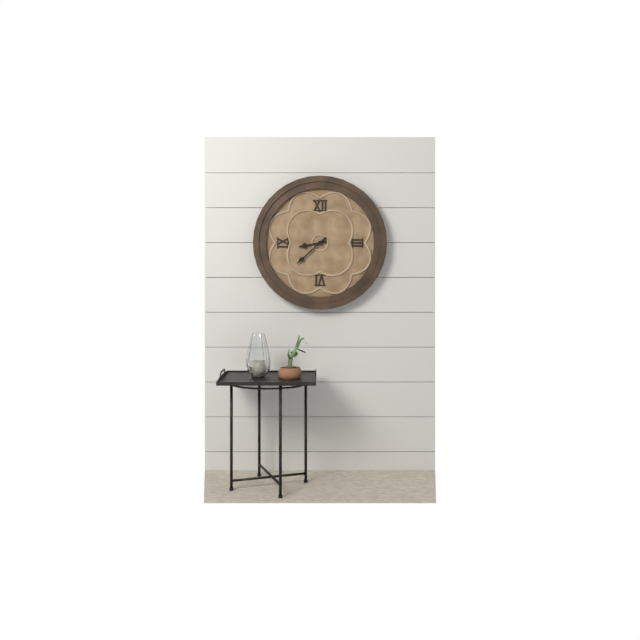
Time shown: 8:38
